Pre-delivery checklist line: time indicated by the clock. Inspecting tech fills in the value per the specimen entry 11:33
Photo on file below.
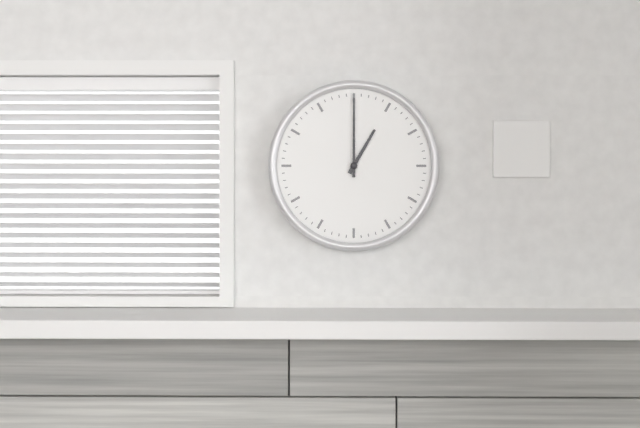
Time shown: 1:00
